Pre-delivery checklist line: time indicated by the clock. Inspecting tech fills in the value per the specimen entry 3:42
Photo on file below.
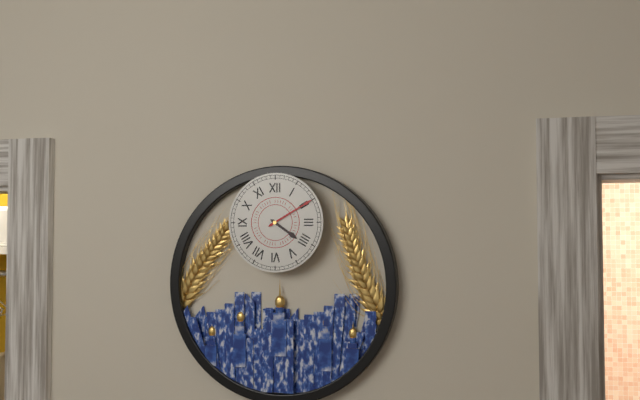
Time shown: 4:10
